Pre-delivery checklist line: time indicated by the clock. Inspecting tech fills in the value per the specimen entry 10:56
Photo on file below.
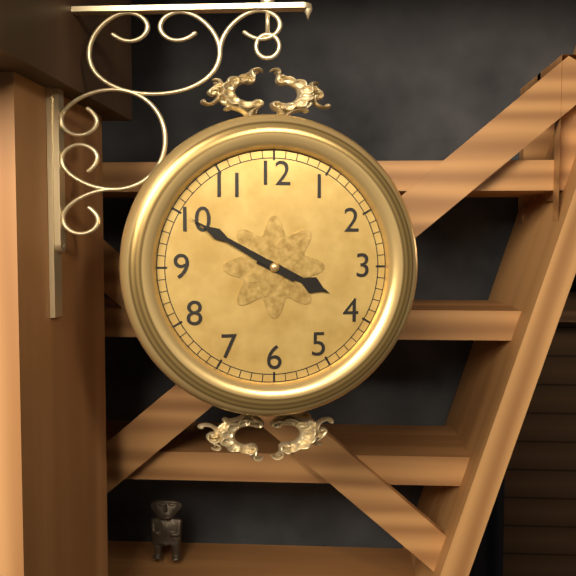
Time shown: 3:50
